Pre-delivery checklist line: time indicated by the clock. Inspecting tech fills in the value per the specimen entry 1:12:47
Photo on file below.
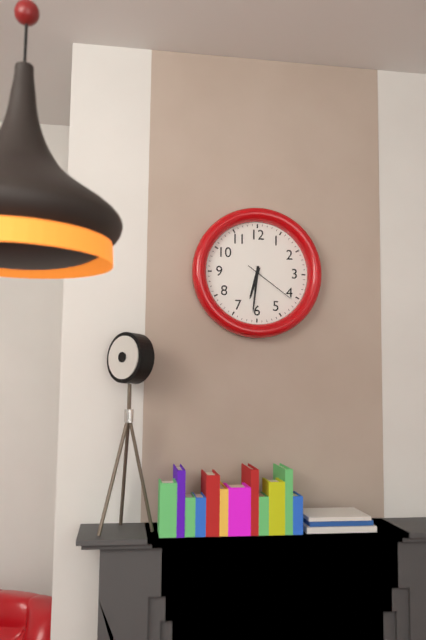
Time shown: 6:31:21
